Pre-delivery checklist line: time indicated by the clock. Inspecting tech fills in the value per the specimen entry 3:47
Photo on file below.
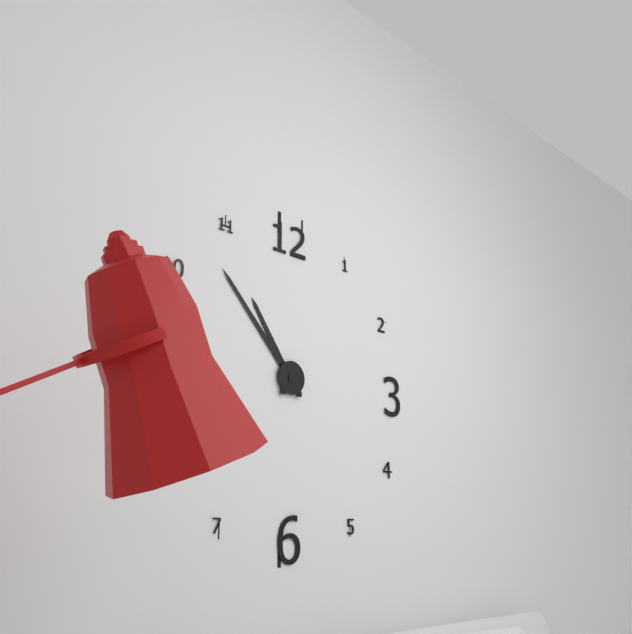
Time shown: 10:53
